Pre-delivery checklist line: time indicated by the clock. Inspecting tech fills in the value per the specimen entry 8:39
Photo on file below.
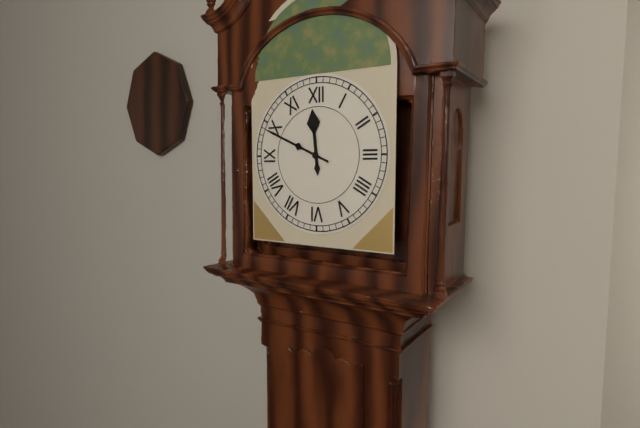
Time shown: 11:49
